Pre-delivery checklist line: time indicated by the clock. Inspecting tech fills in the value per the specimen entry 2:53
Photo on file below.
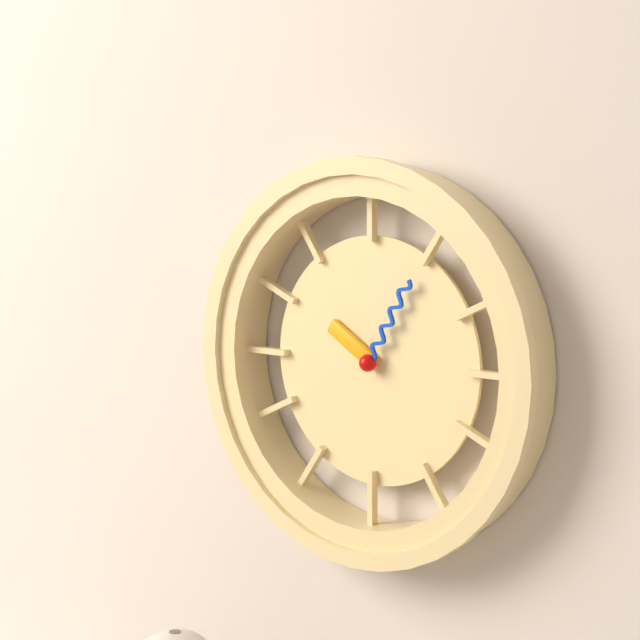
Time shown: 10:05
